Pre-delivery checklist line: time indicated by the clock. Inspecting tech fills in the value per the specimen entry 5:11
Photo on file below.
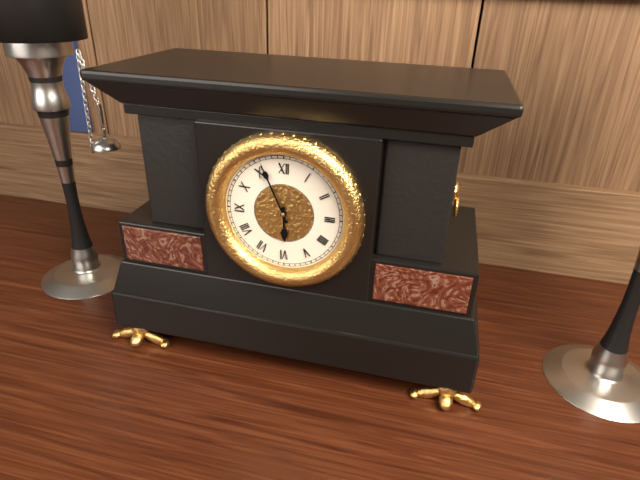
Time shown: 5:56
